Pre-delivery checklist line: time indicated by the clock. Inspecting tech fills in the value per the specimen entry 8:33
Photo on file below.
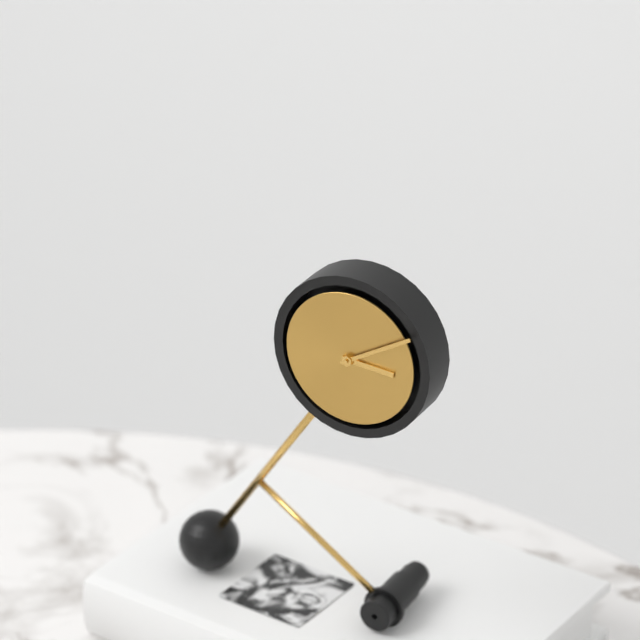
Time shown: 3:10
